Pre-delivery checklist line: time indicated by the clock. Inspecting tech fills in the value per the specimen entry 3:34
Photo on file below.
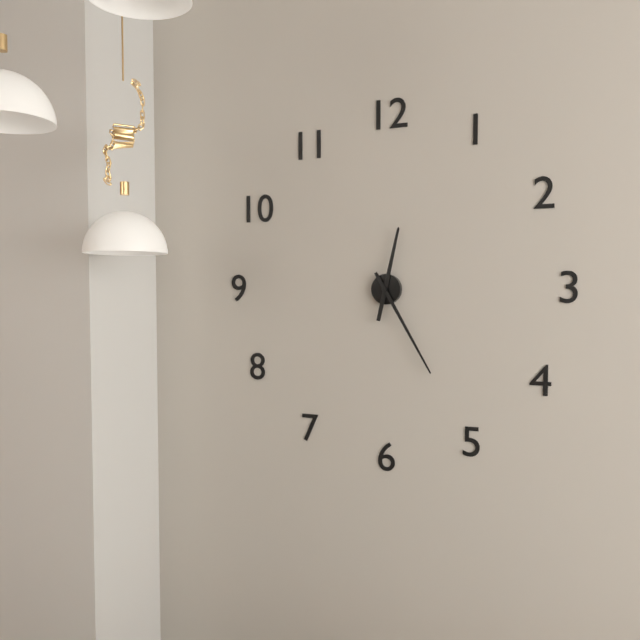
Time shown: 12:25
